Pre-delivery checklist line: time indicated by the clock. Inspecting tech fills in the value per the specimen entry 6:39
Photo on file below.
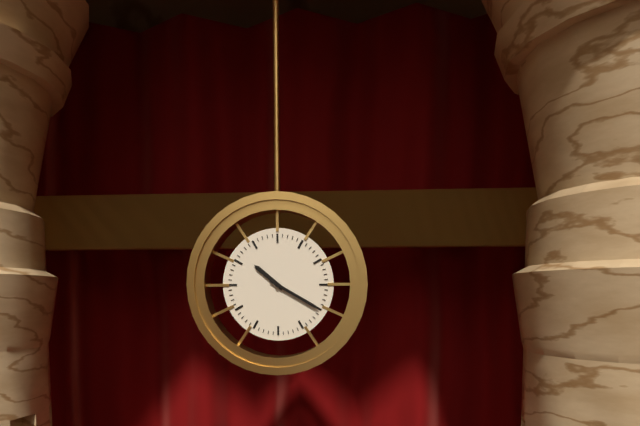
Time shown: 10:20
